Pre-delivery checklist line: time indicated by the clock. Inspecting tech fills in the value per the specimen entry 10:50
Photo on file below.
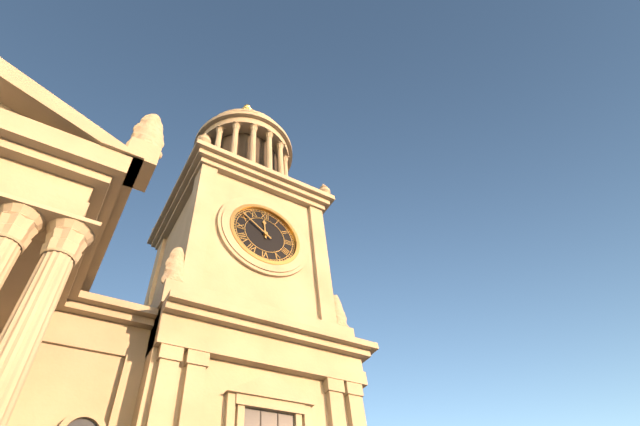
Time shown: 11:51
